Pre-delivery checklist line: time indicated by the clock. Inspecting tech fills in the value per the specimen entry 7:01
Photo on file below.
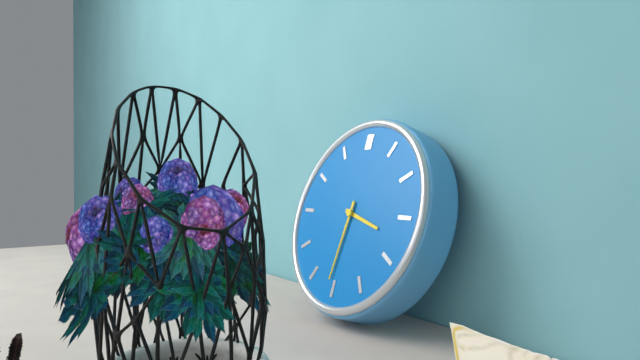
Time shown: 3:31
